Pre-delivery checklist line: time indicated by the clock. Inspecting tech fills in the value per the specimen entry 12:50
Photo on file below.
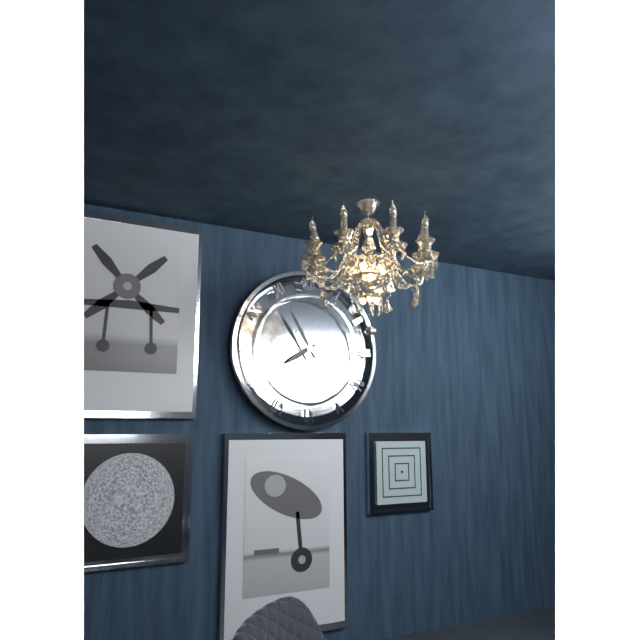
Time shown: 7:55
